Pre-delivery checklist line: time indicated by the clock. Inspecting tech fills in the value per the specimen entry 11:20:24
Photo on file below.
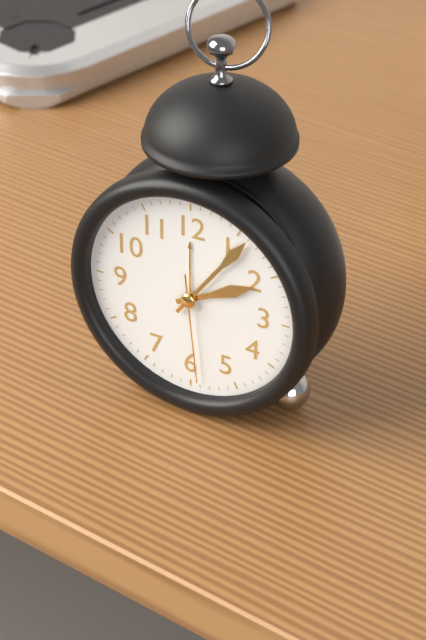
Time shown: 2:06:29
